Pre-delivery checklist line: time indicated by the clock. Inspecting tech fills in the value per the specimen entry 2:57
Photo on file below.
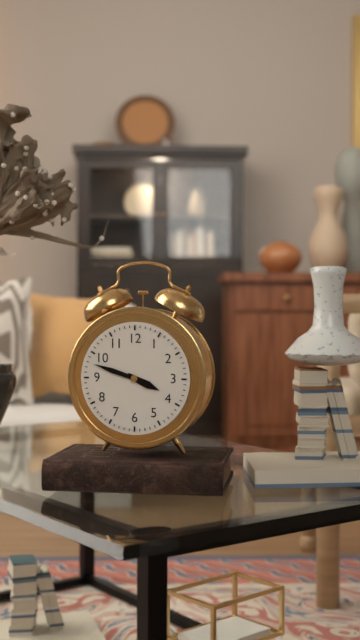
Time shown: 3:48
